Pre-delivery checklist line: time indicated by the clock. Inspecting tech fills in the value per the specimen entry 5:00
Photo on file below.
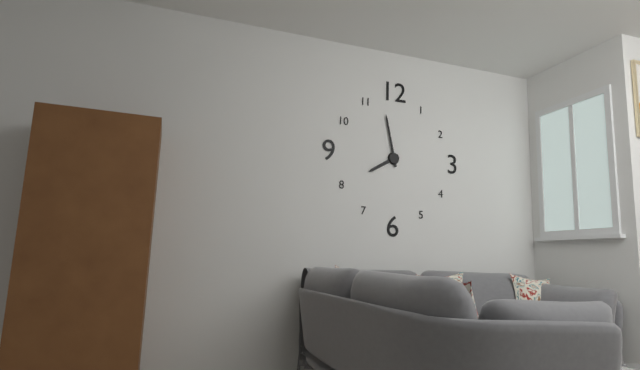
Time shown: 7:58
